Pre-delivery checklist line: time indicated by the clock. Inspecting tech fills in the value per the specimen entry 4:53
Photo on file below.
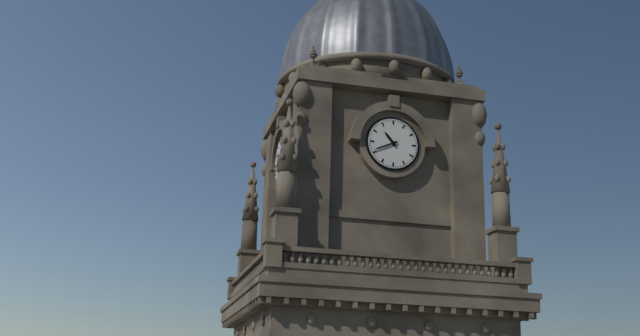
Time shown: 10:41
